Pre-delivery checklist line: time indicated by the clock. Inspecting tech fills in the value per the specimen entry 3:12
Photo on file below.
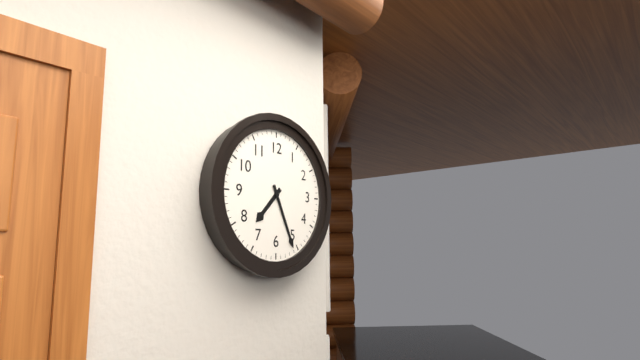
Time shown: 7:26
